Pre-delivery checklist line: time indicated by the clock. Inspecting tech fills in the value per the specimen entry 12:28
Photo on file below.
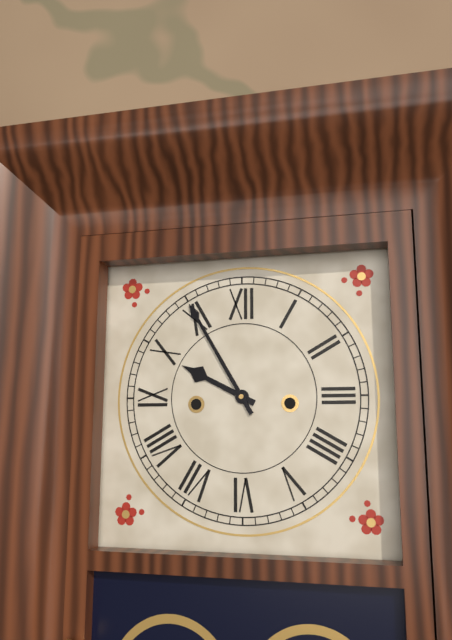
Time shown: 9:55
